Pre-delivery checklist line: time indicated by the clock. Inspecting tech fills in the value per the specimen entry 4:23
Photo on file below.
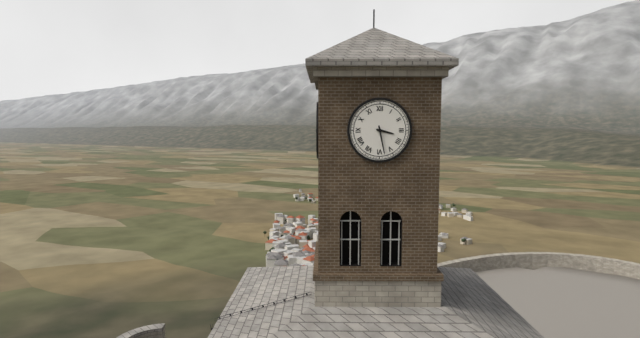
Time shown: 3:28
